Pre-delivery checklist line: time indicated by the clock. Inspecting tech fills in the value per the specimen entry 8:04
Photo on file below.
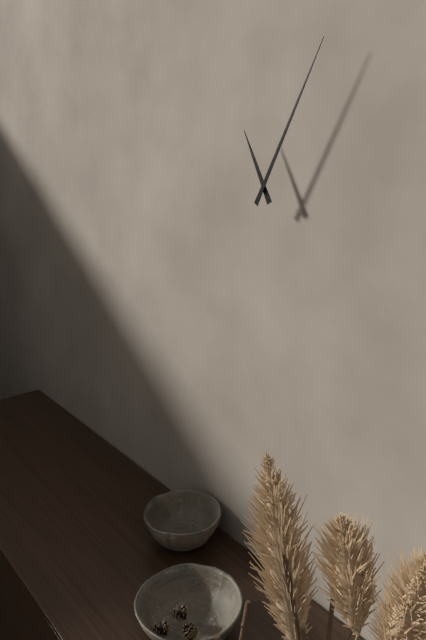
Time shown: 11:05
